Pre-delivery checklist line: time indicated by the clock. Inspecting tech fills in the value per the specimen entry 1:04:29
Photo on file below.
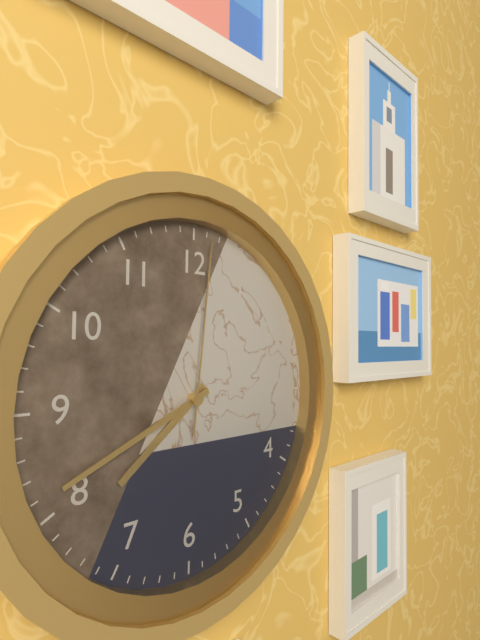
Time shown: 7:41:01
